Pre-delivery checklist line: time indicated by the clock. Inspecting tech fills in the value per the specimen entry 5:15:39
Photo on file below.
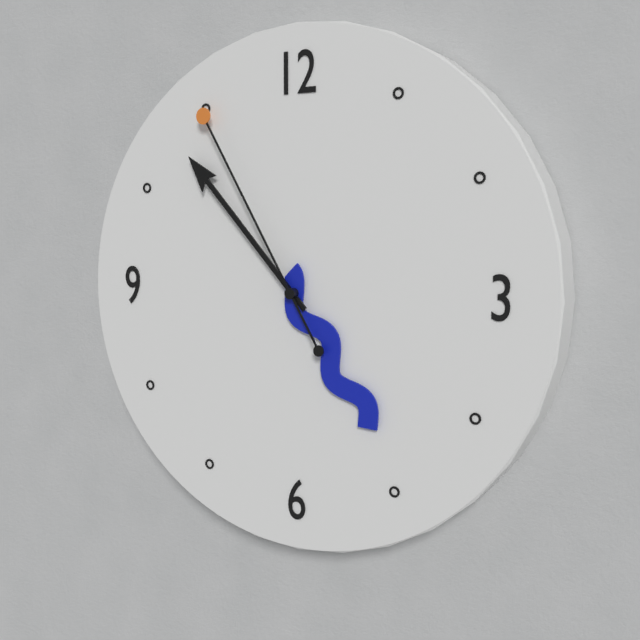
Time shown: 4:53:55
